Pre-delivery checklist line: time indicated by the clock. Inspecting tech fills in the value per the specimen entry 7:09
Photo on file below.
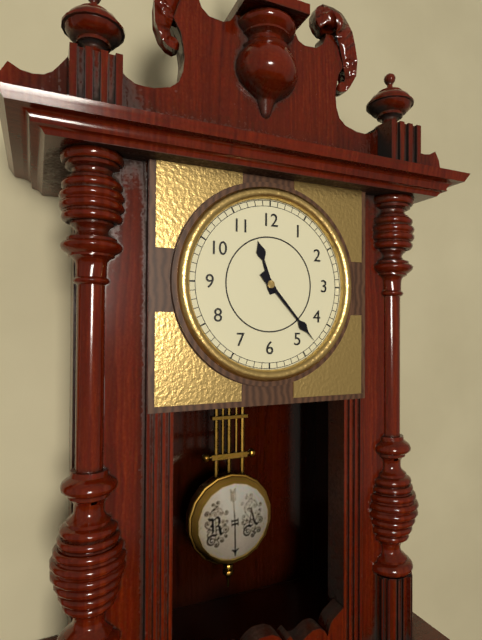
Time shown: 11:23
